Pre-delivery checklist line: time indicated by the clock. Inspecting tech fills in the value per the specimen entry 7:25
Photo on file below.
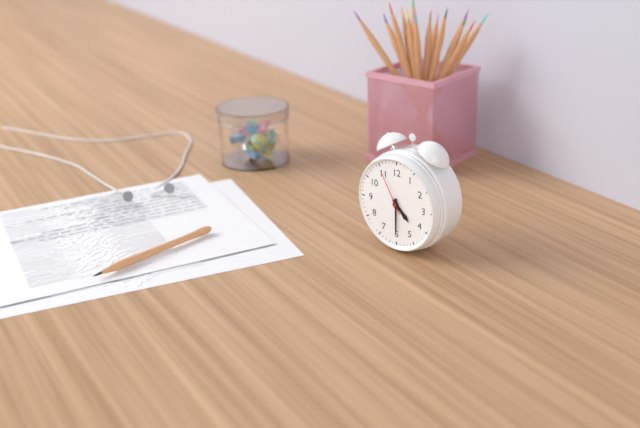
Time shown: 4:30
